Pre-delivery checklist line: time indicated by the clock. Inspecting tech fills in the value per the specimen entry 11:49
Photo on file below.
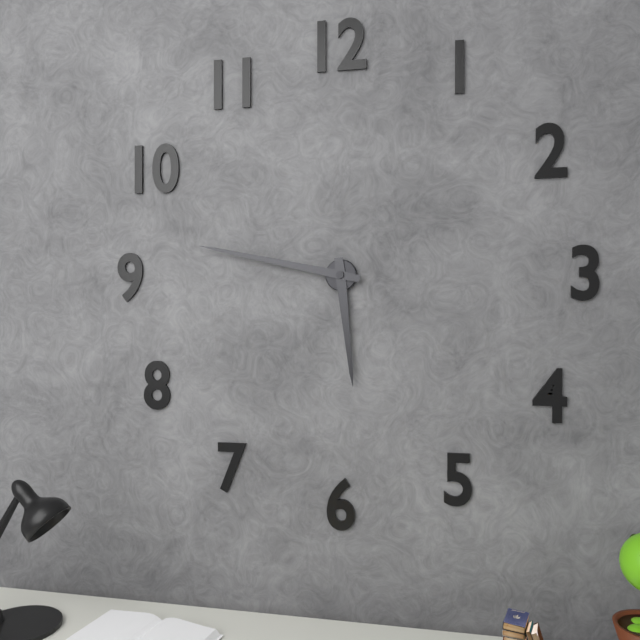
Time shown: 5:47
